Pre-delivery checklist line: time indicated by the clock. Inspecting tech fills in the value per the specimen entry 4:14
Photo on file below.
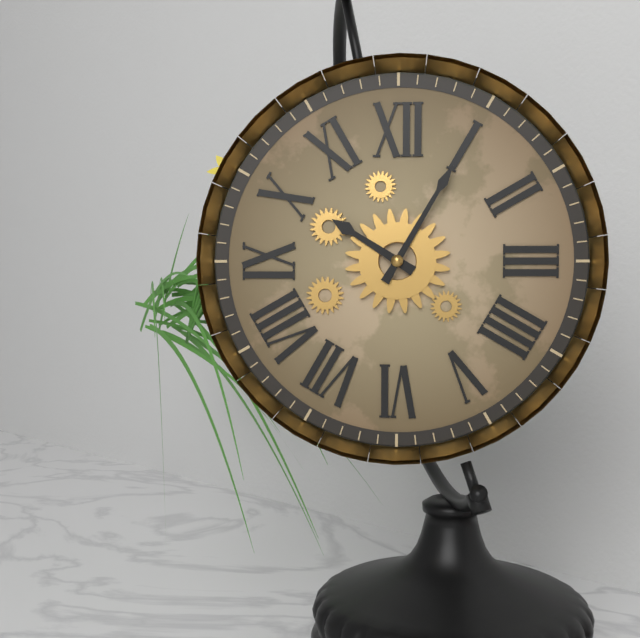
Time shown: 10:05
